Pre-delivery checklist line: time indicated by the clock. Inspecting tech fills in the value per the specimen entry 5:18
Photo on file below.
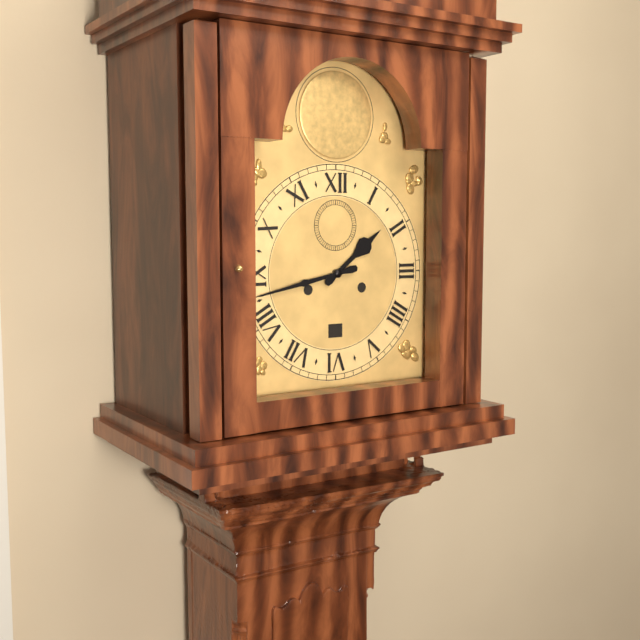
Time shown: 1:43
